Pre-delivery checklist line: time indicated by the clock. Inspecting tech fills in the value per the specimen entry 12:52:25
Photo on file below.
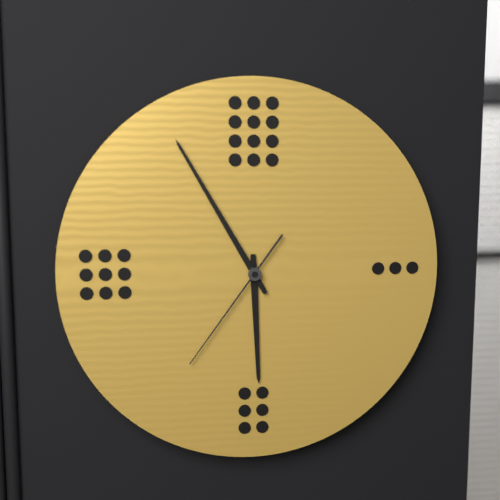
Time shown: 5:55:36
